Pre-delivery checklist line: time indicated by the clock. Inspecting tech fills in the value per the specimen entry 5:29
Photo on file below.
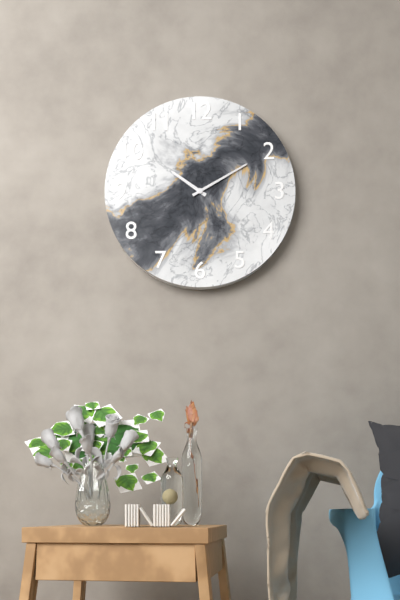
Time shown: 10:10
